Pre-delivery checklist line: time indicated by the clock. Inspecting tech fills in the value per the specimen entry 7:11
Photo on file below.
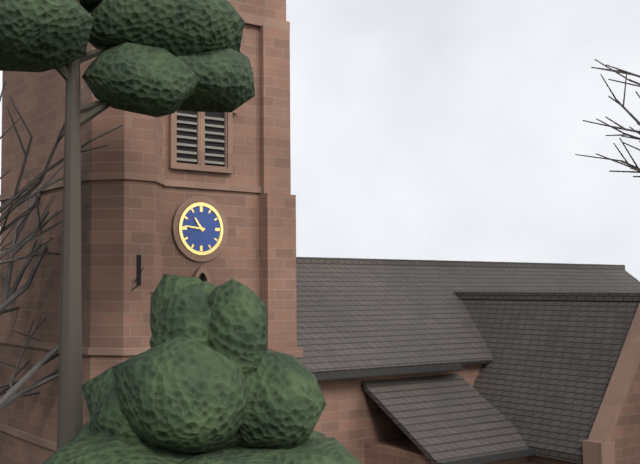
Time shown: 10:46
